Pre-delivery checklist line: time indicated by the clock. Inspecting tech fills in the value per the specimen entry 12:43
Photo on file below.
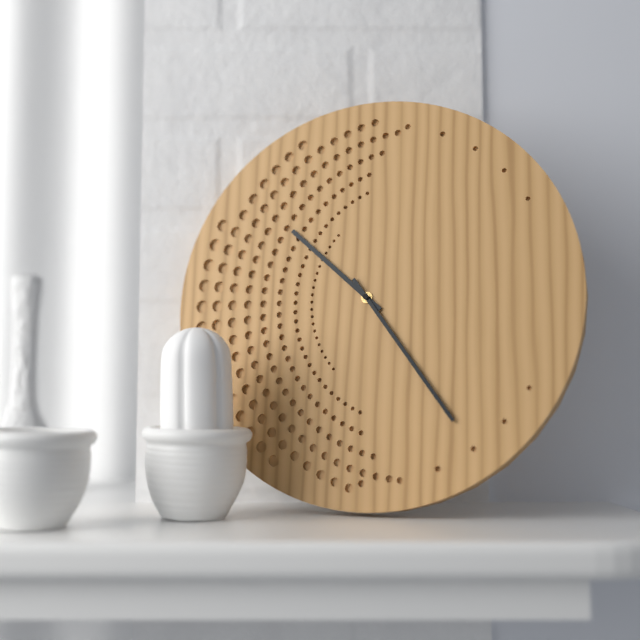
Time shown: 10:24
